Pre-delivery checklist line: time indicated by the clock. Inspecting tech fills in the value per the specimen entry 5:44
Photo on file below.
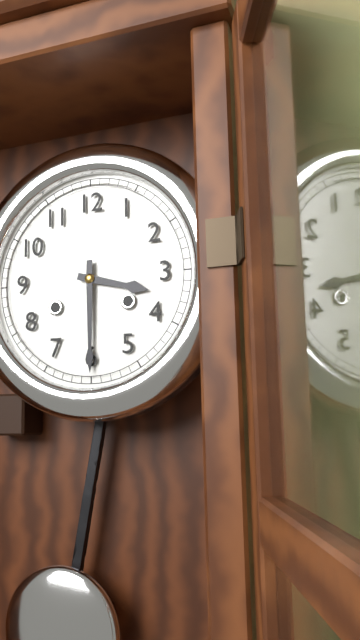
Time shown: 3:30
